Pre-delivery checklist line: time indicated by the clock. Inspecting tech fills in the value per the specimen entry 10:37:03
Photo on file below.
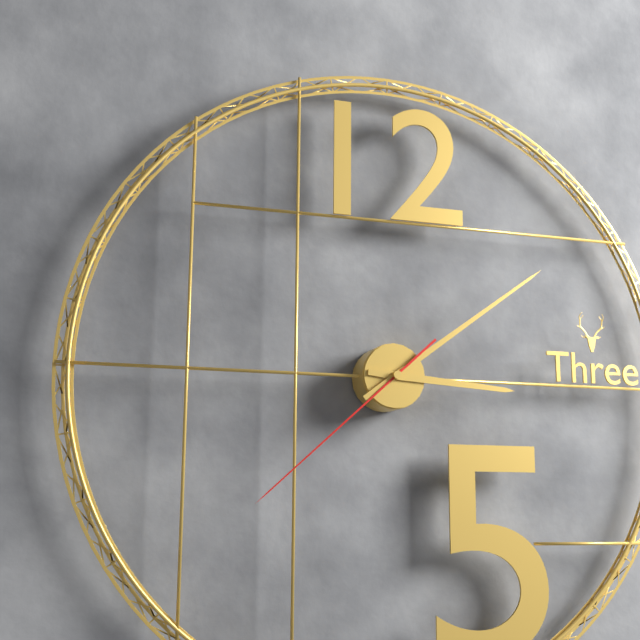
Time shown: 3:09:38
